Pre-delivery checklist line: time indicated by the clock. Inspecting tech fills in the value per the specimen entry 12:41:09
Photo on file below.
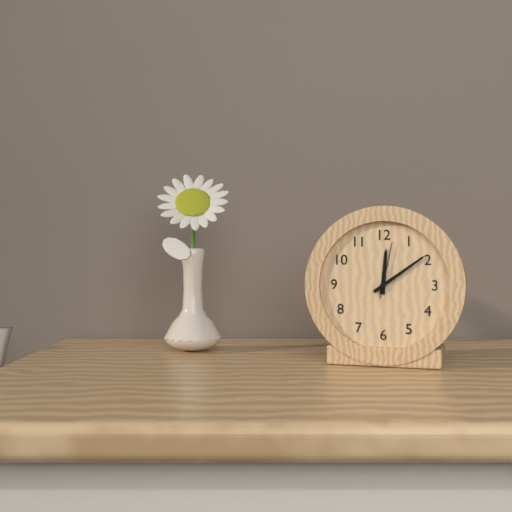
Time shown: 12:09:02
